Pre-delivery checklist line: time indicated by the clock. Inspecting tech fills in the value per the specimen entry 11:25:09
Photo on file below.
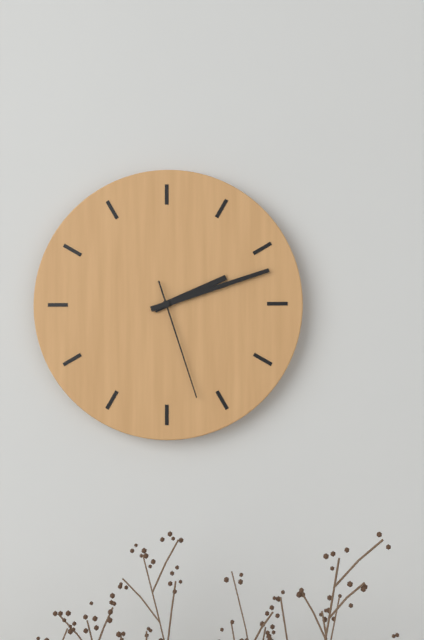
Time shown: 2:12:27
